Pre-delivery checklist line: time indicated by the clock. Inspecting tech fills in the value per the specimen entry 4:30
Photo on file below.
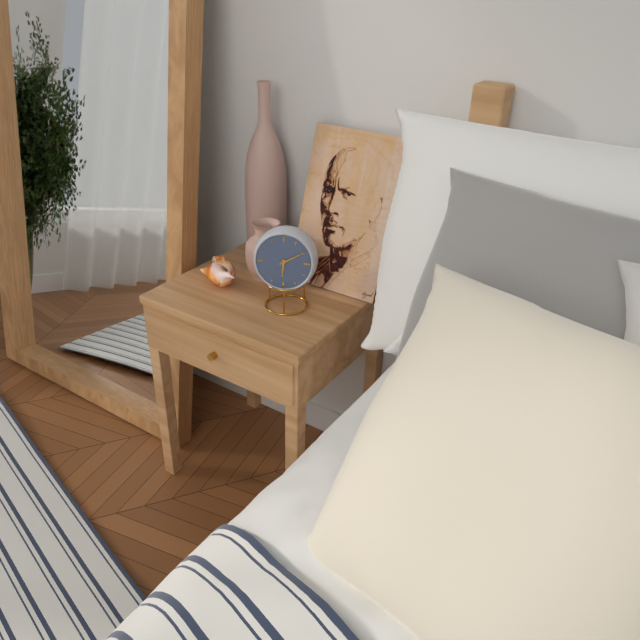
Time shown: 6:10
